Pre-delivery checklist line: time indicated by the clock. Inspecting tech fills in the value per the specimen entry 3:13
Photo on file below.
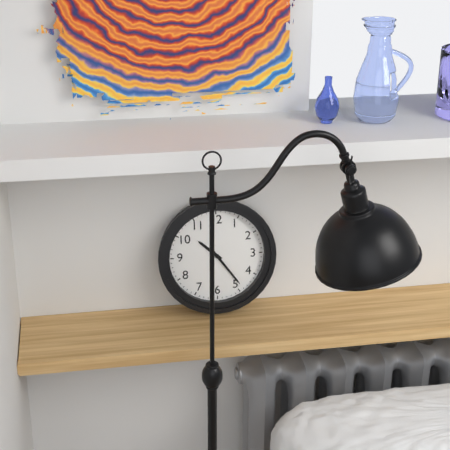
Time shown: 10:24
